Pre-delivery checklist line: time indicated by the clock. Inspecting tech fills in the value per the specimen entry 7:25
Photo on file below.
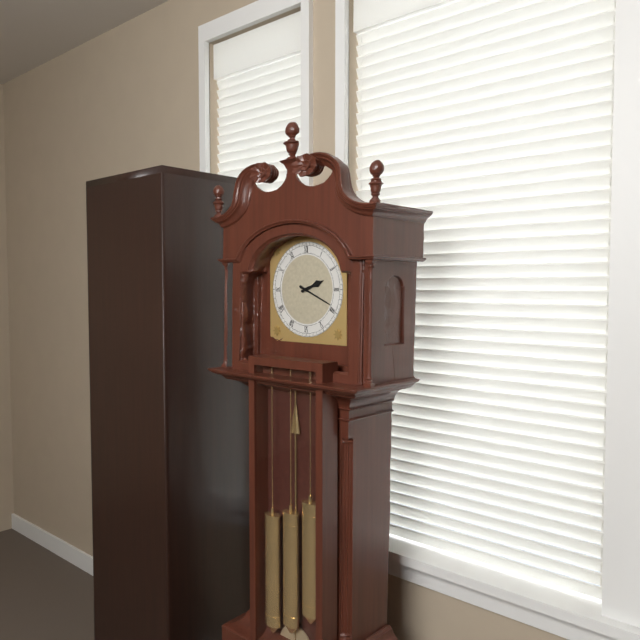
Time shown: 2:19
